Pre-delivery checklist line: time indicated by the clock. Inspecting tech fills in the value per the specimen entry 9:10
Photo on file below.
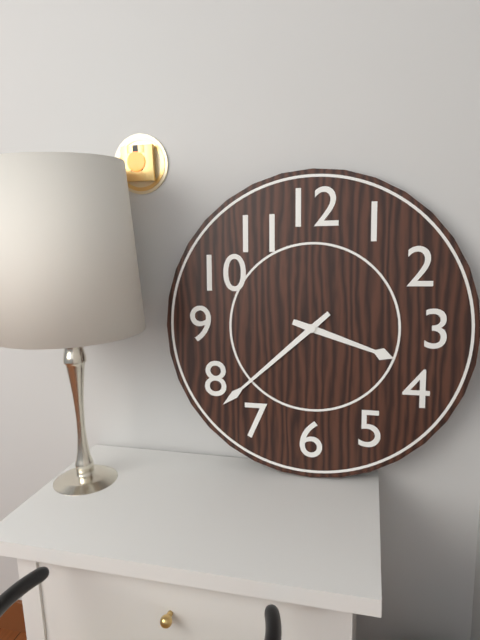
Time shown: 3:38
